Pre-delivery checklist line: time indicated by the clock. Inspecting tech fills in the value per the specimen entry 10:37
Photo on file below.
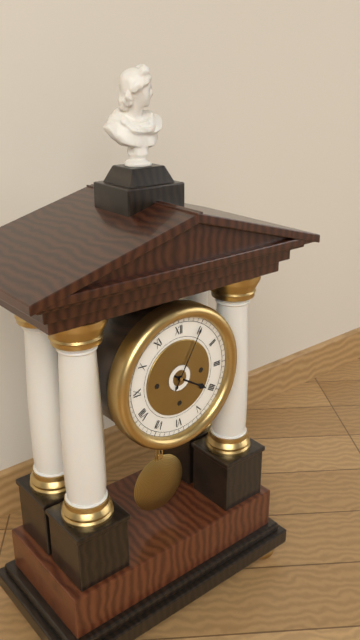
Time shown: 4:05
